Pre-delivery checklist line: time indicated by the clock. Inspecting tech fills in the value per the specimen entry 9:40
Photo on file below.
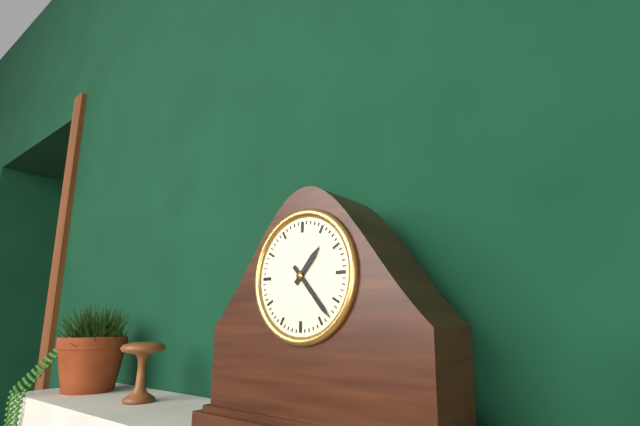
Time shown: 1:23
